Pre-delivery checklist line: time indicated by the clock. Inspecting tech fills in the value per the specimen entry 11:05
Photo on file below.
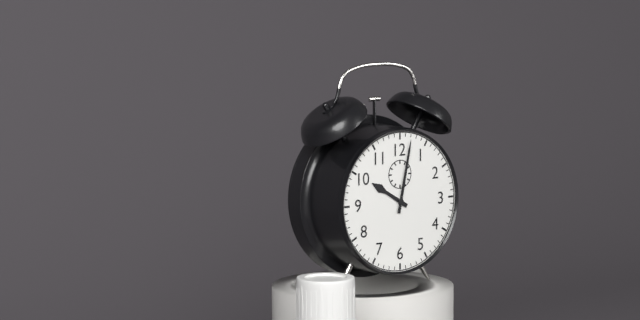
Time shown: 10:02
